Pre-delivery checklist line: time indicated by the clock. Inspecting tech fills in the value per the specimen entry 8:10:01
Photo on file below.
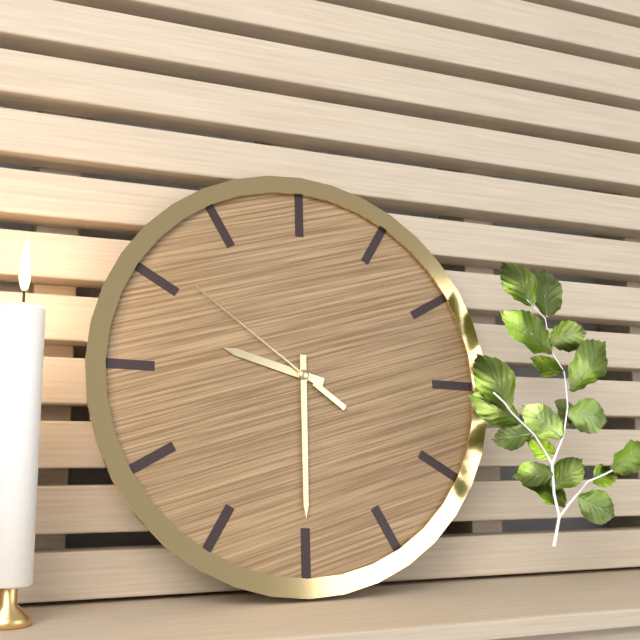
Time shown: 9:30:51
